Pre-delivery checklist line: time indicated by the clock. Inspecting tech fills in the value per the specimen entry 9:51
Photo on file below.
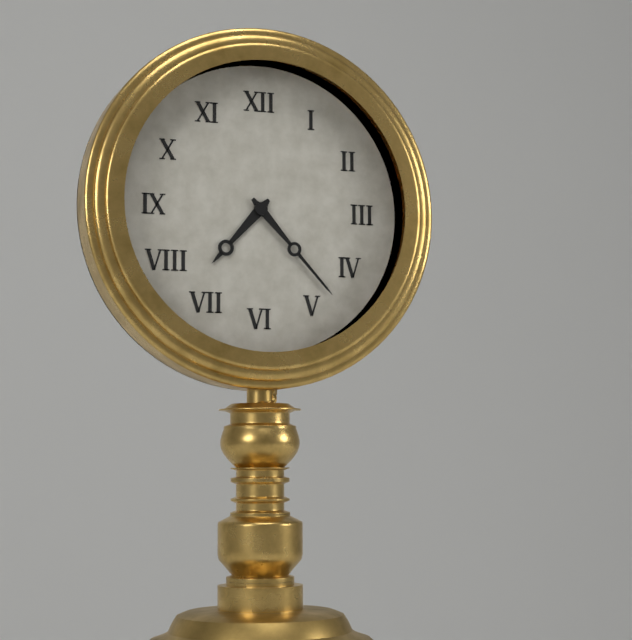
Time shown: 7:23
